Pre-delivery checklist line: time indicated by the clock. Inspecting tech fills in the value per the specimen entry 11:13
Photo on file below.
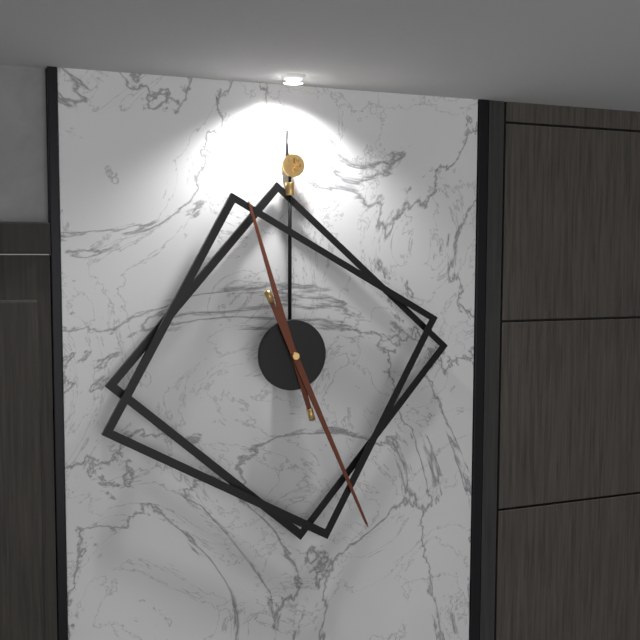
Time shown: 11:26
